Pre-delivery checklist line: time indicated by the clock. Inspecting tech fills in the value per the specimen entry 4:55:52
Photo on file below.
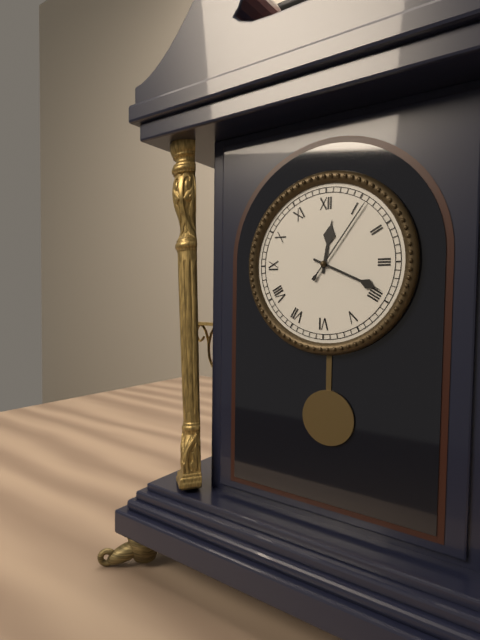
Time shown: 12:19:06
